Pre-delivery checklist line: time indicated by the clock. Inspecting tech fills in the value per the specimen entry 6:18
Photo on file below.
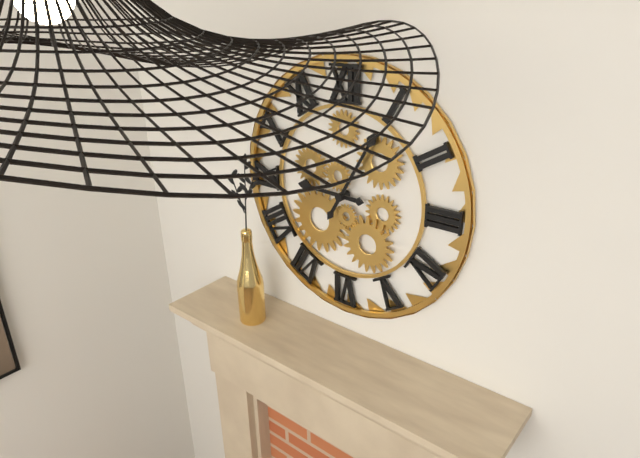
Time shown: 9:05
